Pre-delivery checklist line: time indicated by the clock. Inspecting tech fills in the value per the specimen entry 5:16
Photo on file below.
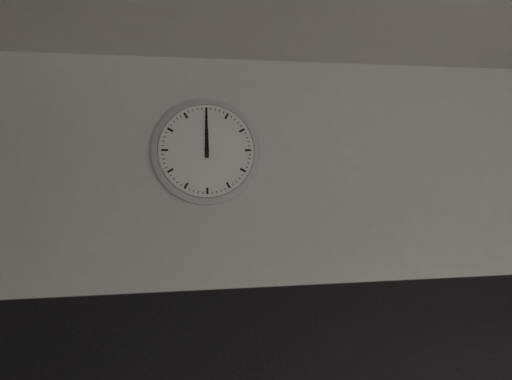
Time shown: 12:00
